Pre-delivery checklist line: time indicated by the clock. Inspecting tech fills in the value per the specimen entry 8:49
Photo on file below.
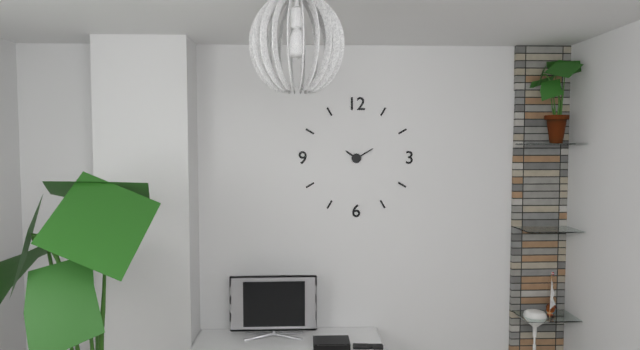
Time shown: 10:10
